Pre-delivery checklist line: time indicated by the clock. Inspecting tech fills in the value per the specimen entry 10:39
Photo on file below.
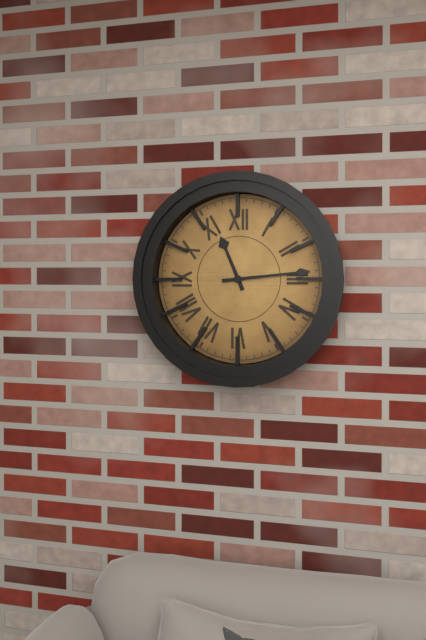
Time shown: 11:14
